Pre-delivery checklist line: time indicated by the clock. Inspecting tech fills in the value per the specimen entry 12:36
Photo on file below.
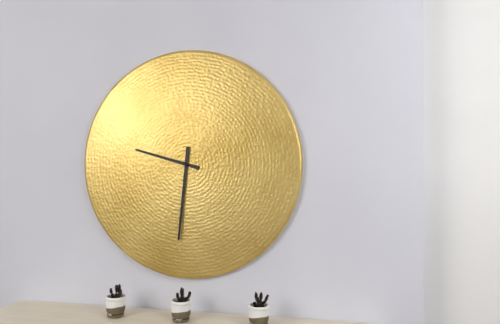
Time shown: 9:31
